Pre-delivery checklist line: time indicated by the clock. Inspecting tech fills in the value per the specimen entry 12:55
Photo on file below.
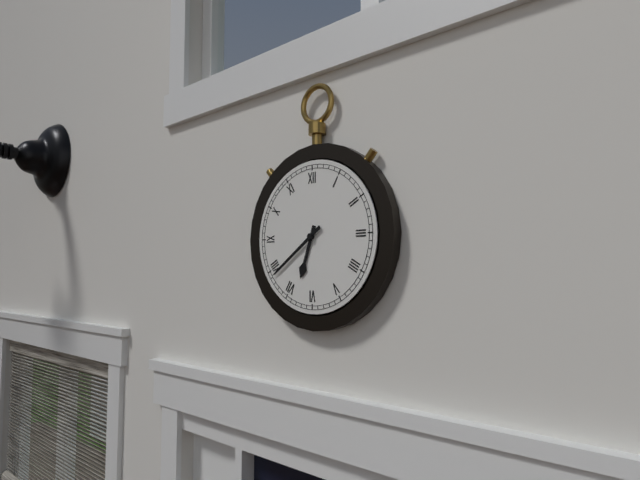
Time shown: 6:39
